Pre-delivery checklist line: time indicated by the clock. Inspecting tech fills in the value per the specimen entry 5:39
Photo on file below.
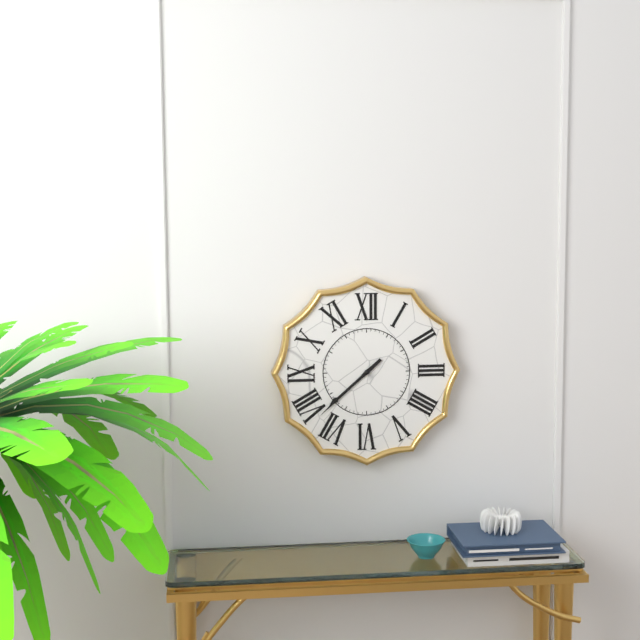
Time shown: 7:38
